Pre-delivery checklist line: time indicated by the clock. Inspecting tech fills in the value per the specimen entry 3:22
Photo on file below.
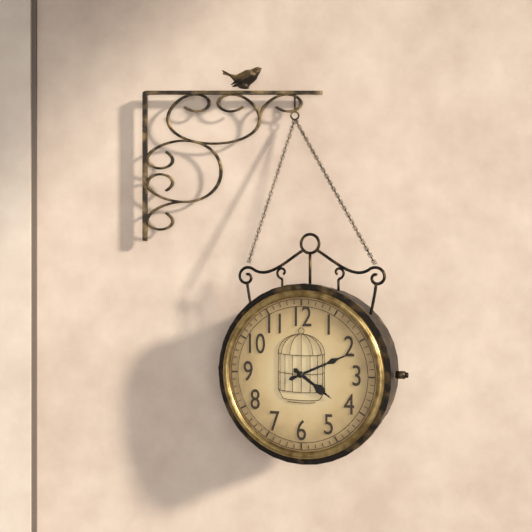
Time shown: 4:11
